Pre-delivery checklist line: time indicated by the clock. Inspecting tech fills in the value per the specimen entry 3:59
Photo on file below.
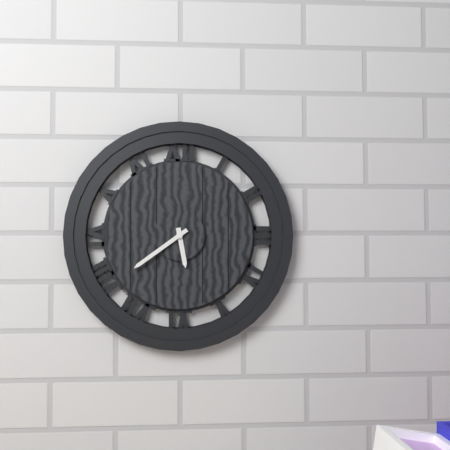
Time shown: 5:39
